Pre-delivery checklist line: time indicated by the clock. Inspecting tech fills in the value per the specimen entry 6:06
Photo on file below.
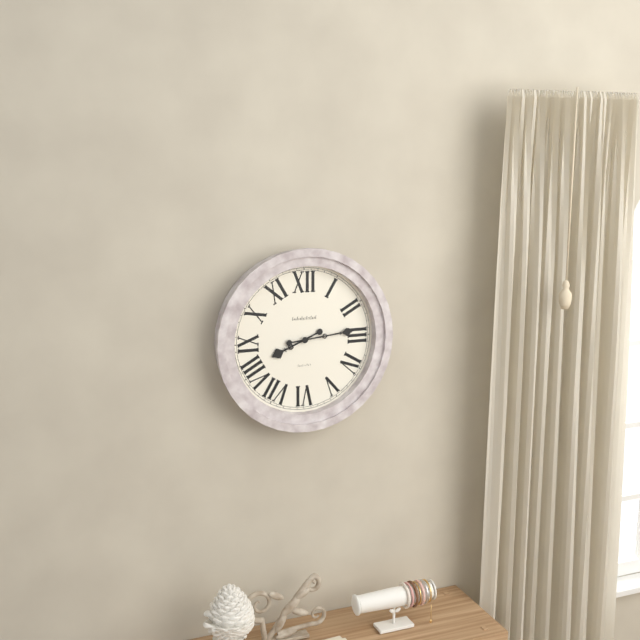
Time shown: 8:14
